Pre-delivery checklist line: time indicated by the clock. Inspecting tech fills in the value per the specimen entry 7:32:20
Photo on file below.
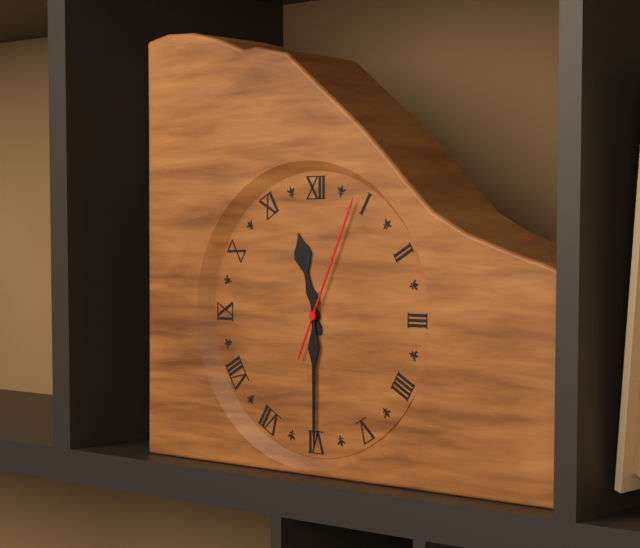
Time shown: 11:30:04
